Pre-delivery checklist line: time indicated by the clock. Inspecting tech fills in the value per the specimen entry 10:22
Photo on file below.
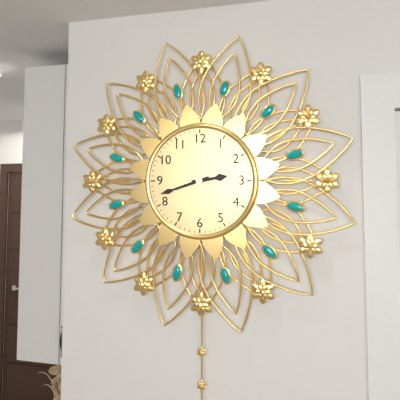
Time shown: 2:42
